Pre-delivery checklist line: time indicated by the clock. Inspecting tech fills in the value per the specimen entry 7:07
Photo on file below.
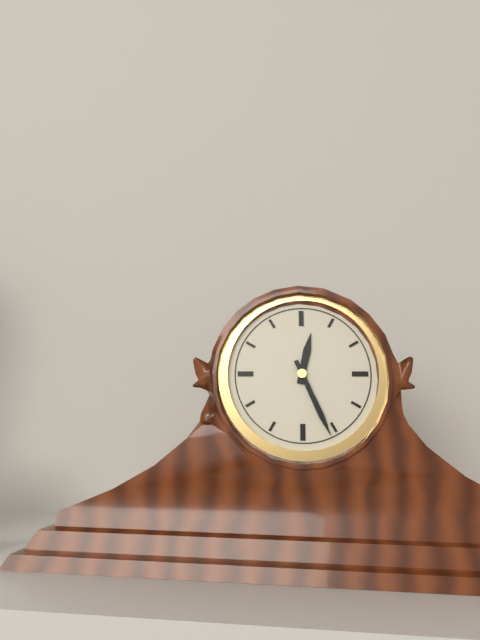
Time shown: 12:26
